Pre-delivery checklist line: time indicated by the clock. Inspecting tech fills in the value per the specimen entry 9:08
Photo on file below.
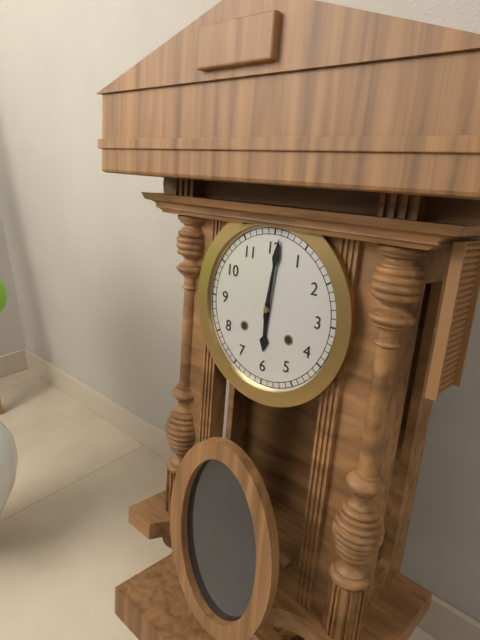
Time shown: 6:01
